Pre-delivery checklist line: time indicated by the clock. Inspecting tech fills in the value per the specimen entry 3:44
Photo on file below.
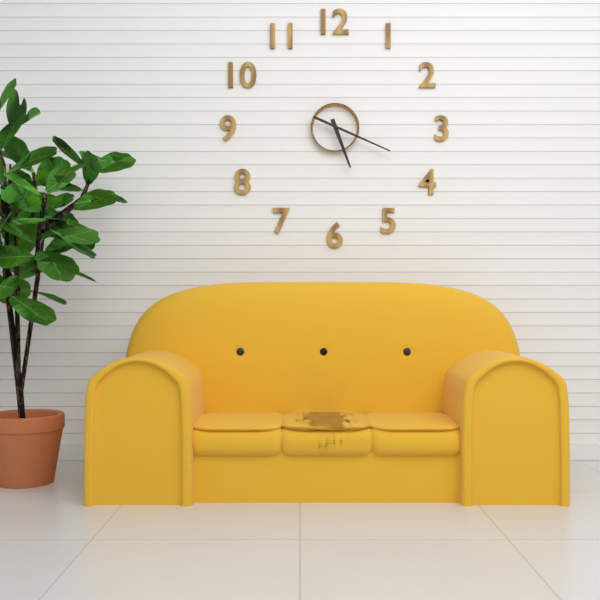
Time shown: 5:19
